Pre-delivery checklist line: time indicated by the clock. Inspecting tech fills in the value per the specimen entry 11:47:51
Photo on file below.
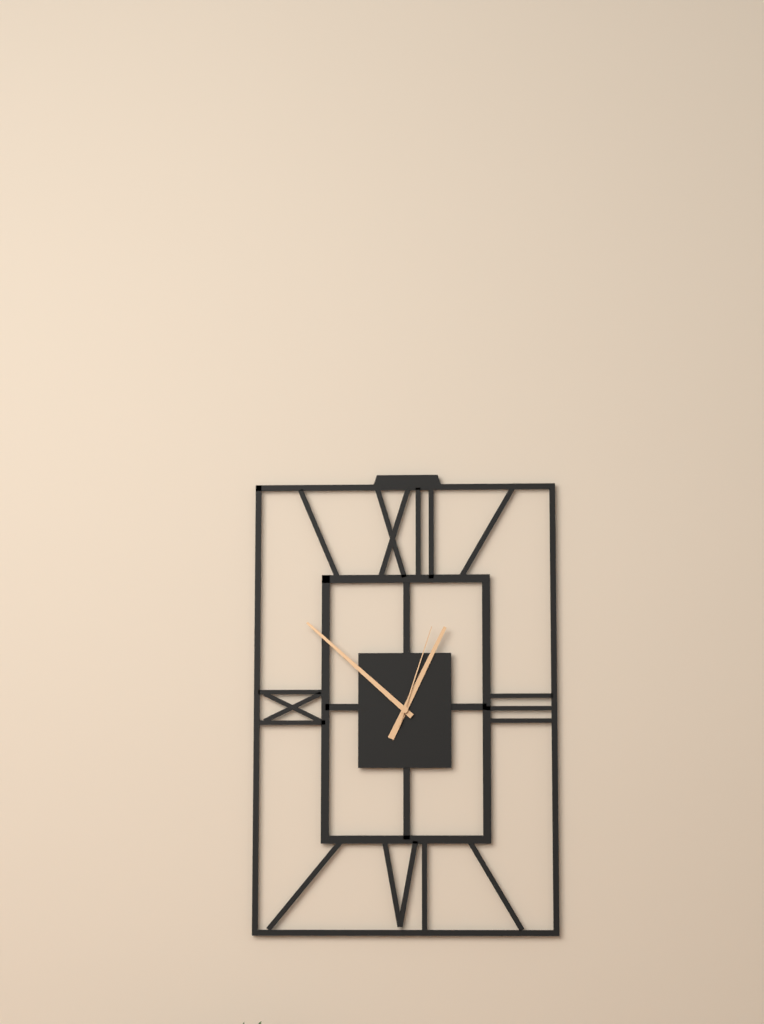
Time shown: 12:52:03
